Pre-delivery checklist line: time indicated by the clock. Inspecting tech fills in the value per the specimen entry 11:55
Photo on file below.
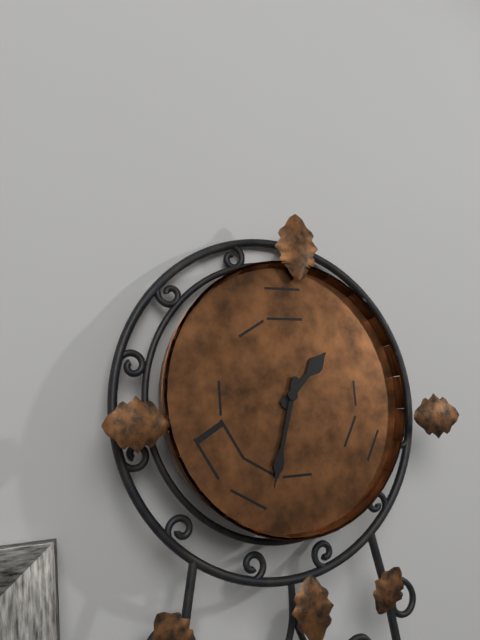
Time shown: 1:33
